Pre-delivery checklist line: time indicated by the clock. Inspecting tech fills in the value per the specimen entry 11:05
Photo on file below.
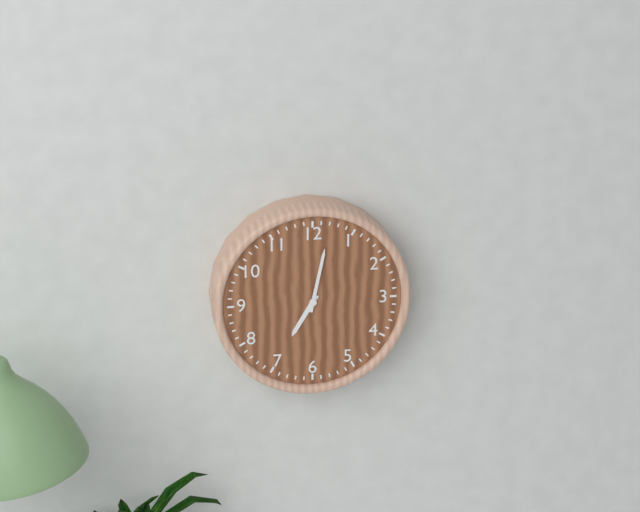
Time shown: 7:02
